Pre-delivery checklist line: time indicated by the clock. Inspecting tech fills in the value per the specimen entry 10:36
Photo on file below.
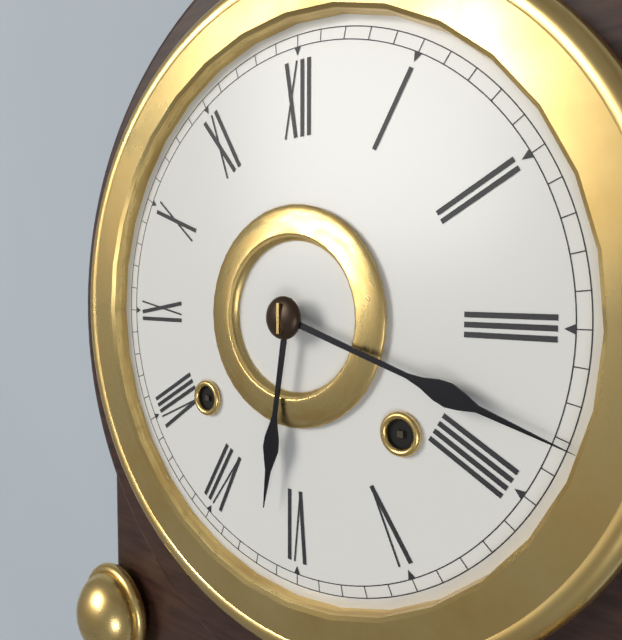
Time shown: 6:18
